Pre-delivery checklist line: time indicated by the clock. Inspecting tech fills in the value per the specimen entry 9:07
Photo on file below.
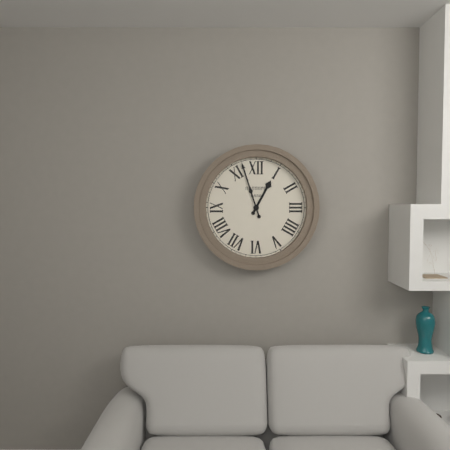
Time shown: 12:57
